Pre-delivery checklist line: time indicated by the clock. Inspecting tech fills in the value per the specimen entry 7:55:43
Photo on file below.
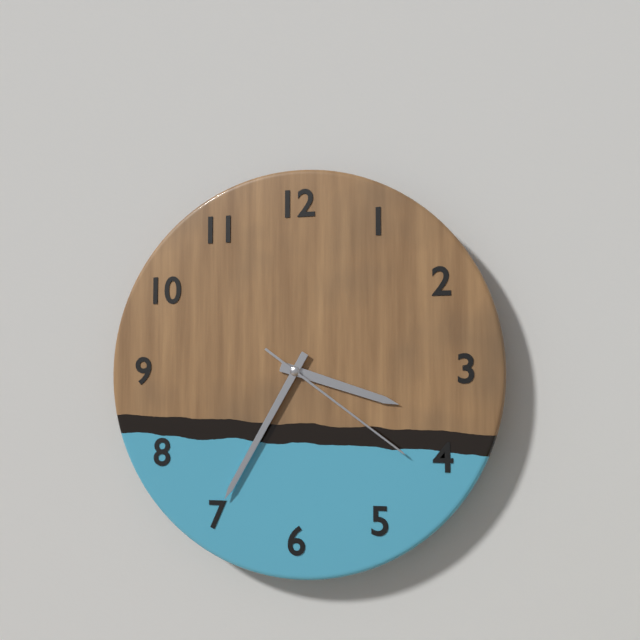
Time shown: 3:35:21
